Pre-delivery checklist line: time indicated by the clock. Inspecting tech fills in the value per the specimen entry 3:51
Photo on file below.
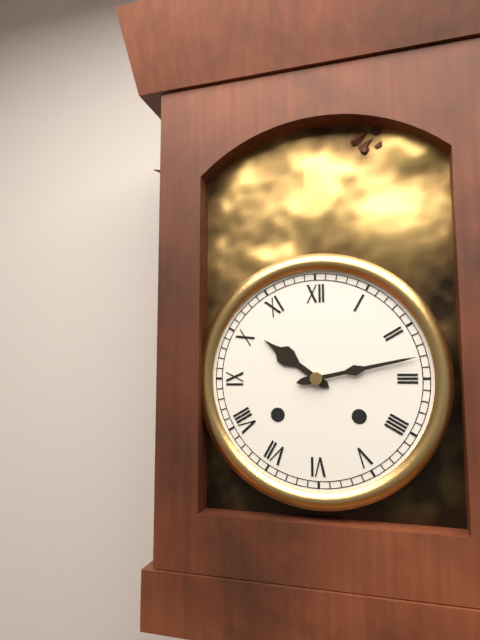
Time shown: 10:13
